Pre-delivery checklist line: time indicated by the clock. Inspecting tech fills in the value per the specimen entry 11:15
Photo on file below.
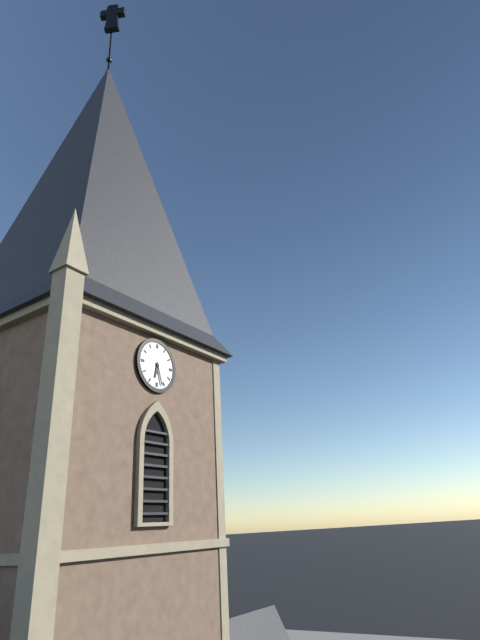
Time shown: 6:27
